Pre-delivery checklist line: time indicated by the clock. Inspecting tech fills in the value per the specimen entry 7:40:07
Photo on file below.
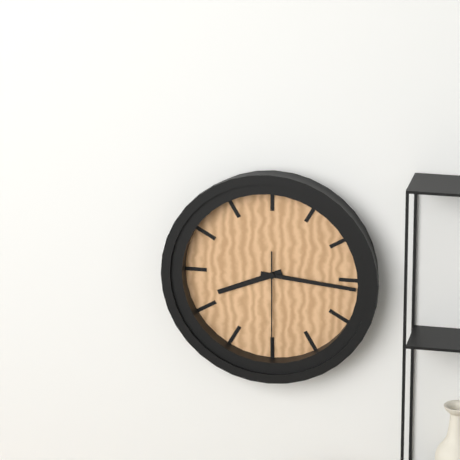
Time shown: 8:16:30
